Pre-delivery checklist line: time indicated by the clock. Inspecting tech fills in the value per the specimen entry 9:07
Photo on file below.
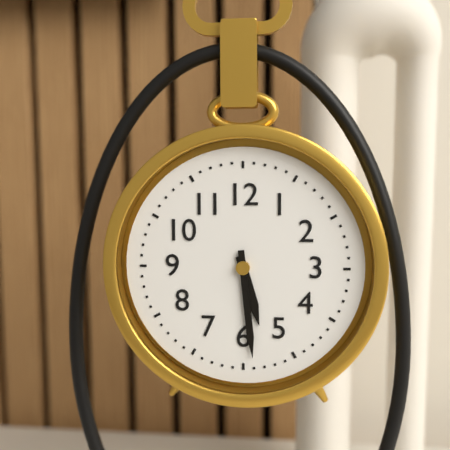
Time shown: 5:29
